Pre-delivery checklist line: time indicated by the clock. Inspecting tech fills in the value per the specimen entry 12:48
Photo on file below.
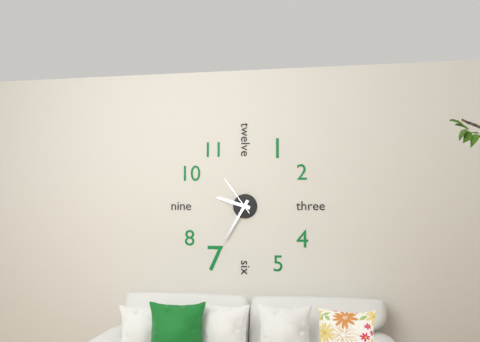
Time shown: 9:35
